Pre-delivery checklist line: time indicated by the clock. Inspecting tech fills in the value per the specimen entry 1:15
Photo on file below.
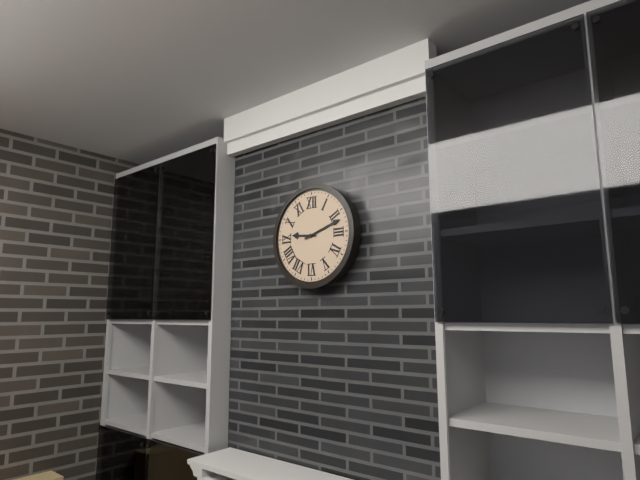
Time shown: 9:12
